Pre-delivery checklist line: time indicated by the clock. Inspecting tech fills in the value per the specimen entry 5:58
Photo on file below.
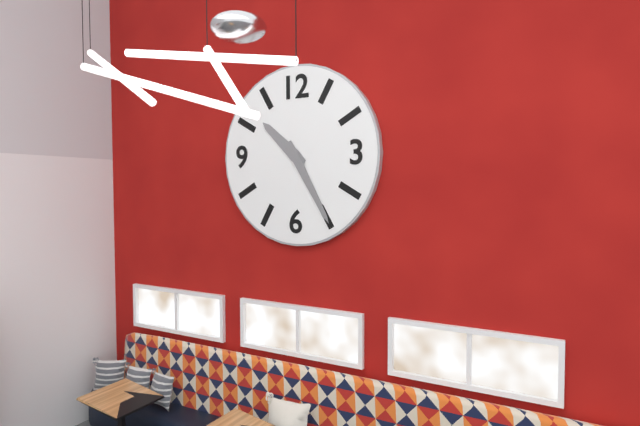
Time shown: 10:25
